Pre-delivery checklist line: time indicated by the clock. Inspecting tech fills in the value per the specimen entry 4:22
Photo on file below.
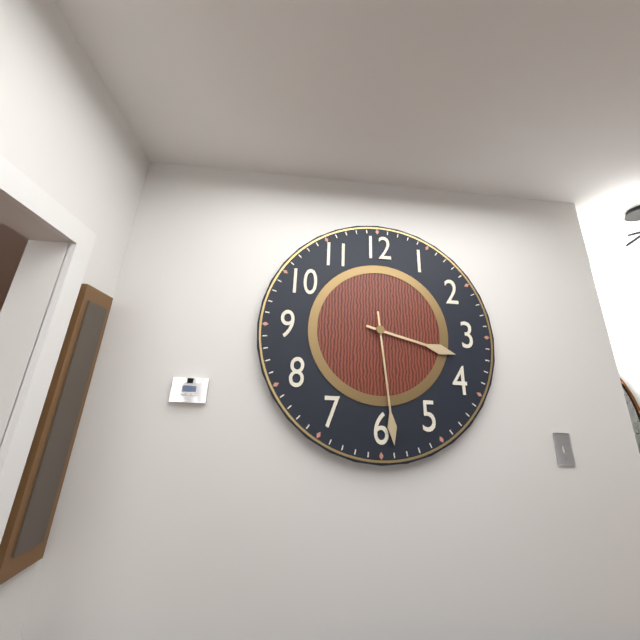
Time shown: 3:29
